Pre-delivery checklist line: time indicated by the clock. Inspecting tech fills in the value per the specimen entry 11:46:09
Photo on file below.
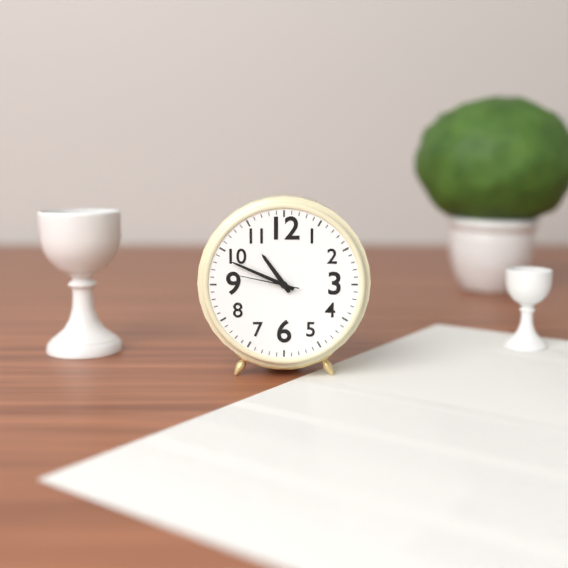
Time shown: 10:49:47
